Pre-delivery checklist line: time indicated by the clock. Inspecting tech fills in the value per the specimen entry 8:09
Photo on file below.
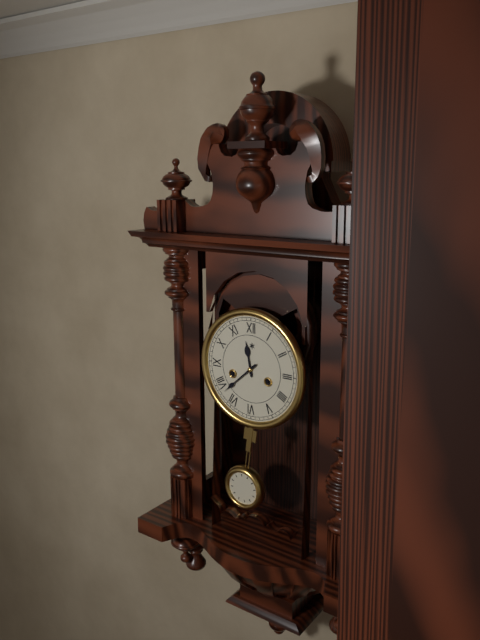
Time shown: 11:38
